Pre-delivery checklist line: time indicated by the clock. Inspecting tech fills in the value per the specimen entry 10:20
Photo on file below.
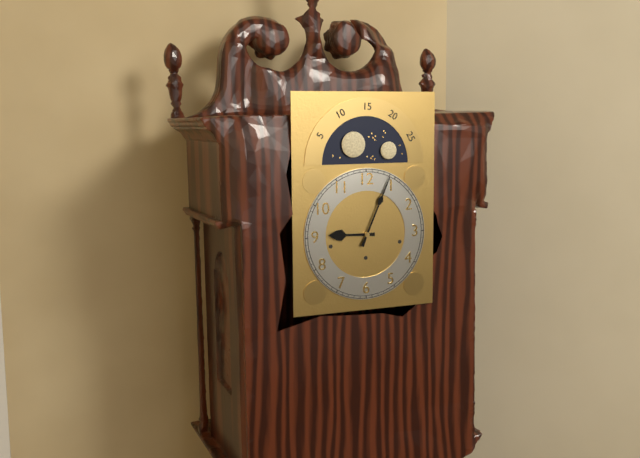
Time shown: 9:04
